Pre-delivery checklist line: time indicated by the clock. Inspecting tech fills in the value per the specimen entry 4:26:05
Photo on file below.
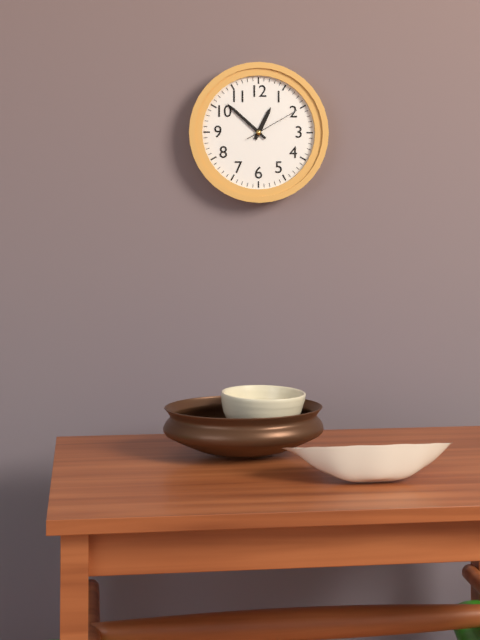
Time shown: 12:52:10
